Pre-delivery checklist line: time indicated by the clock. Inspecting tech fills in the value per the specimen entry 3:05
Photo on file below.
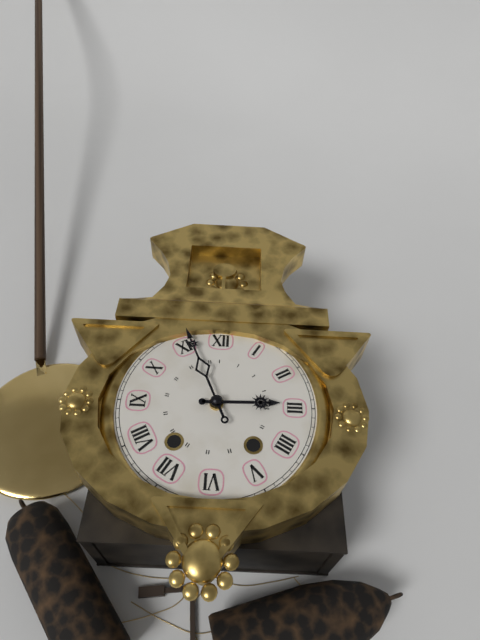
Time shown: 2:56
